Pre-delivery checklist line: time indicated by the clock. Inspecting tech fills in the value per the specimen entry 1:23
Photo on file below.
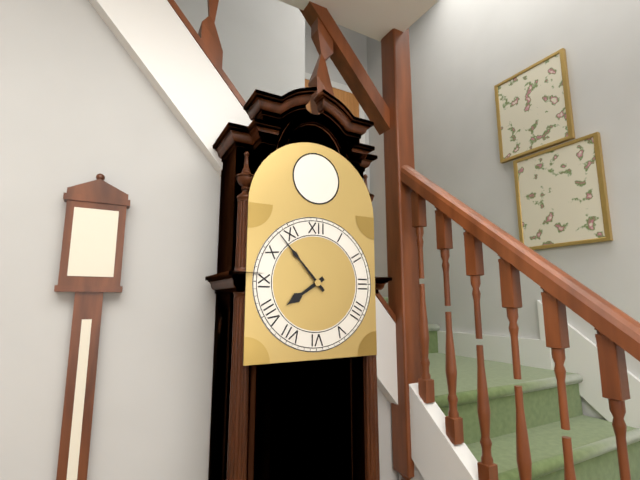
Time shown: 7:53
